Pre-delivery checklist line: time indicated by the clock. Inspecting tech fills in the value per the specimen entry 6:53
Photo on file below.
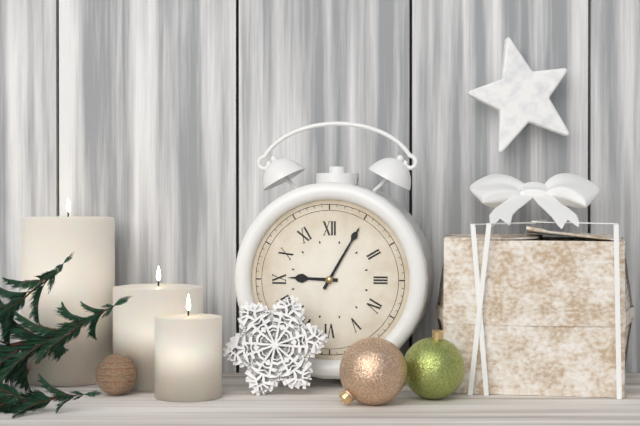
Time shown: 9:05
